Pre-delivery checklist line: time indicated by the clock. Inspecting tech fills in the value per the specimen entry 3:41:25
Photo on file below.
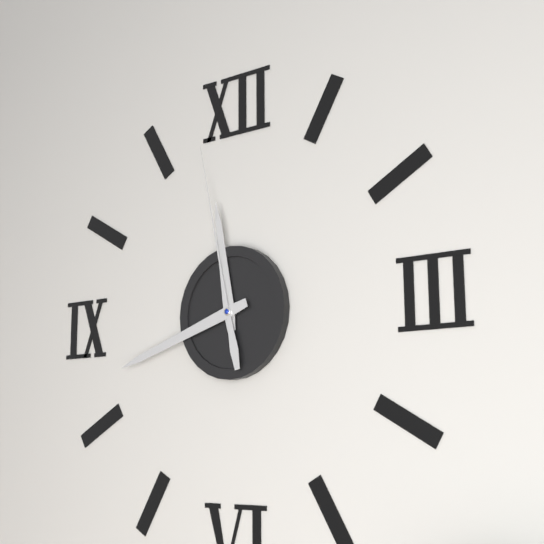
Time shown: 11:42:58
